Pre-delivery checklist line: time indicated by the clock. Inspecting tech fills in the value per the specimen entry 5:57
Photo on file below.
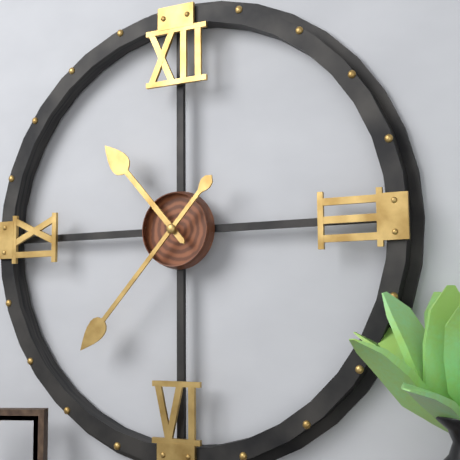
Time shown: 10:37
